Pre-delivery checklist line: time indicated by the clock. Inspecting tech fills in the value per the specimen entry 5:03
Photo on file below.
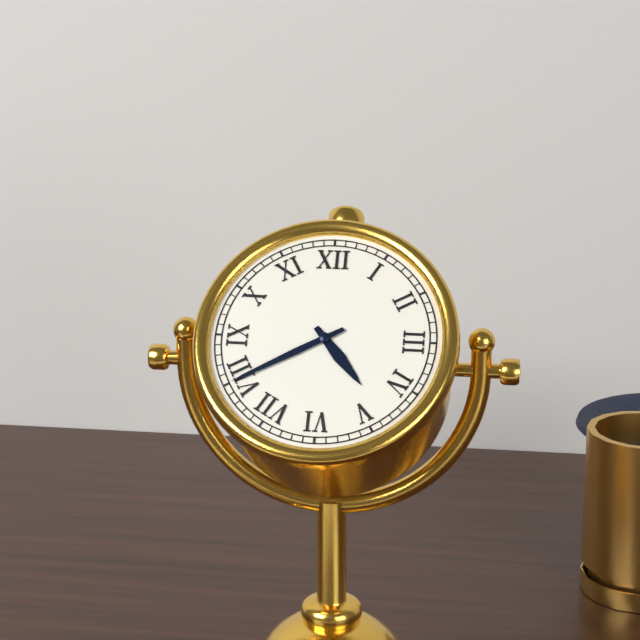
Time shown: 4:40
